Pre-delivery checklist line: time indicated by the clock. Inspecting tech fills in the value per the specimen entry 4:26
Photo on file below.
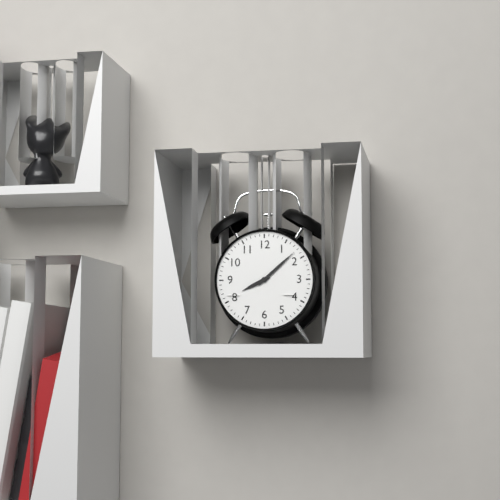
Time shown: 8:08
